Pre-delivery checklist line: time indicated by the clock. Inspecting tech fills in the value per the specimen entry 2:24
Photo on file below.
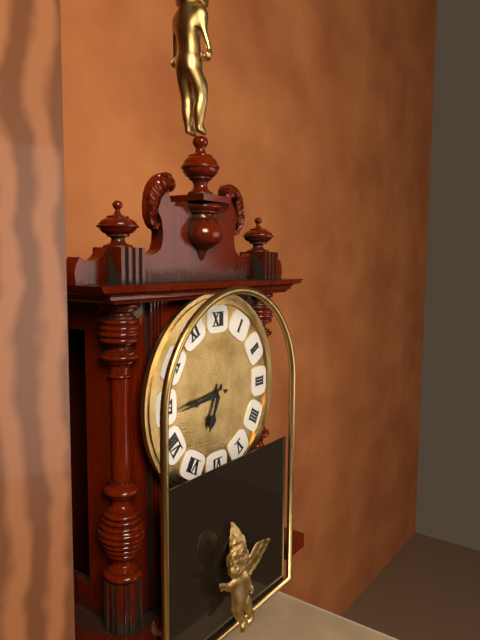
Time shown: 6:44
